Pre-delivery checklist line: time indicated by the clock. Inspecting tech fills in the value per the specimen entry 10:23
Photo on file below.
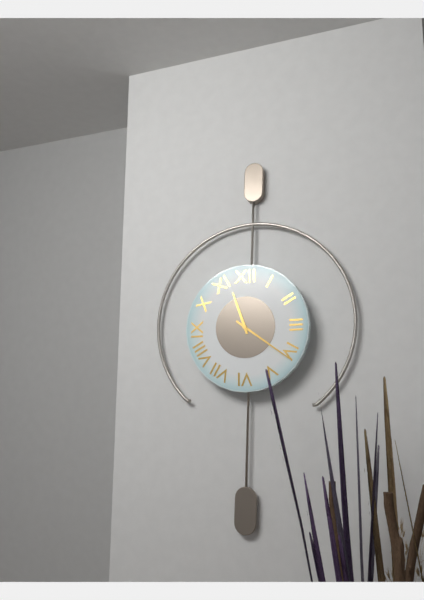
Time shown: 11:21
